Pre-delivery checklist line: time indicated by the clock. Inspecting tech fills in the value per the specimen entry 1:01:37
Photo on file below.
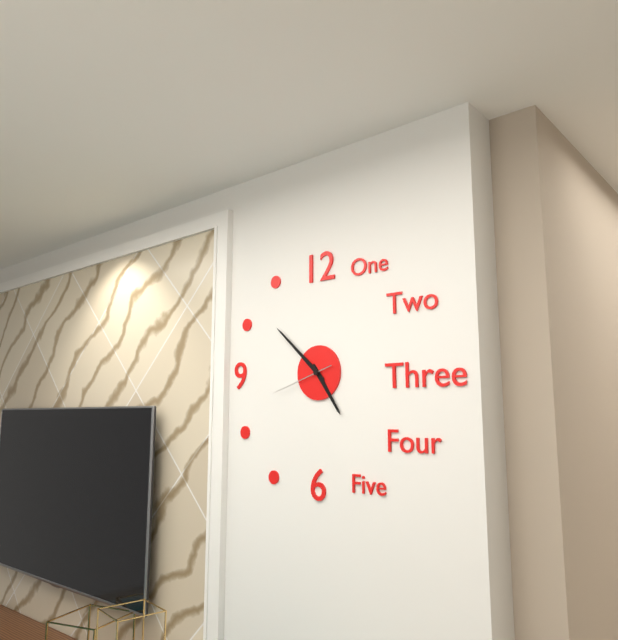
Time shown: 4:52:42
